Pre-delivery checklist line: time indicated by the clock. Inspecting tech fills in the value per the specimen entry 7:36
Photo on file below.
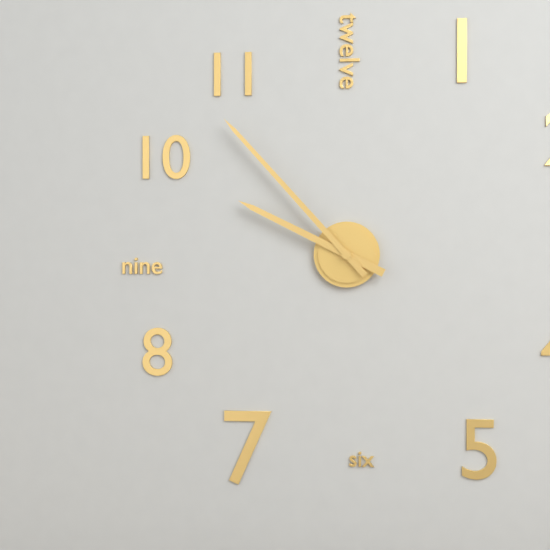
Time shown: 9:53
